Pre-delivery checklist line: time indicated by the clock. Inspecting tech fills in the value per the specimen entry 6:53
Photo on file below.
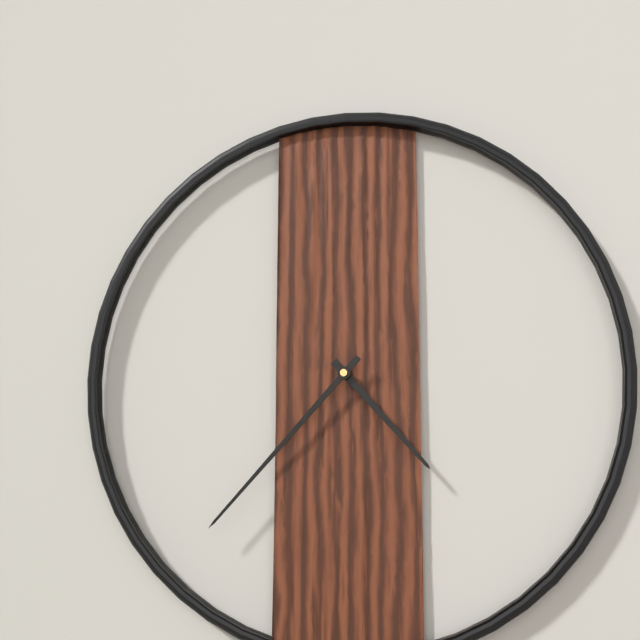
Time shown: 4:37
